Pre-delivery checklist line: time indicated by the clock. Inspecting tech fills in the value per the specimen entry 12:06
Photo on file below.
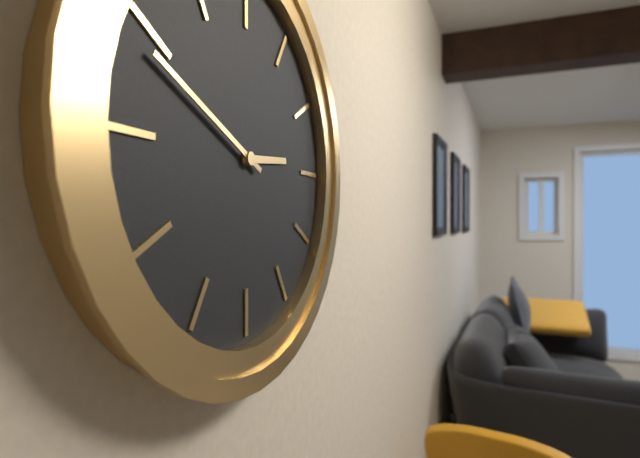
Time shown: 2:49
